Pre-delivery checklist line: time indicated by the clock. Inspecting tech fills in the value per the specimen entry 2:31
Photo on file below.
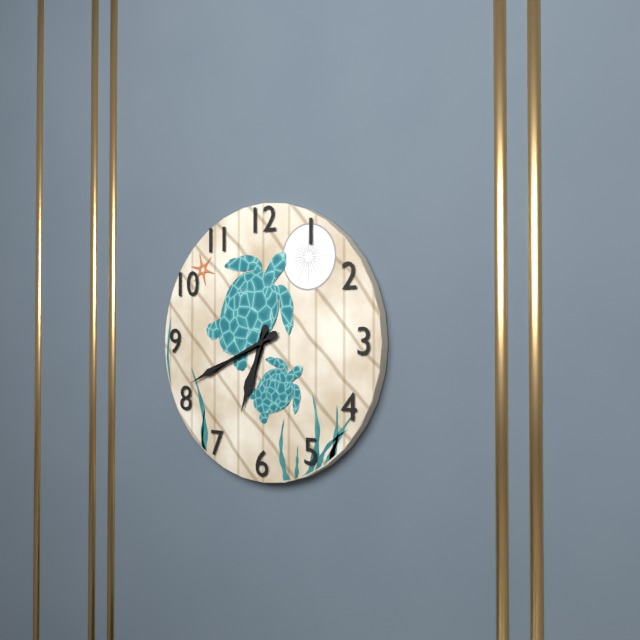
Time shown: 6:41
